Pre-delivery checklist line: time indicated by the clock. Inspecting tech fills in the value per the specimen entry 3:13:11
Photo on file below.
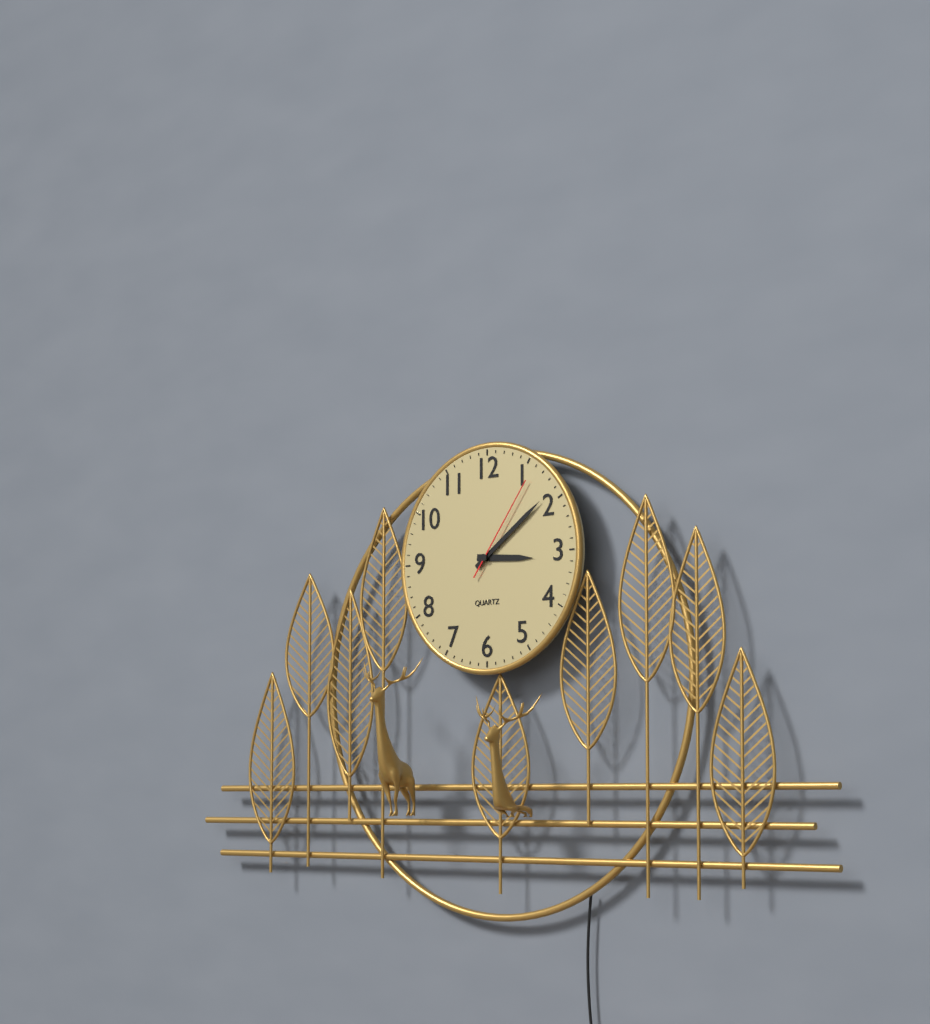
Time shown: 3:09:06
